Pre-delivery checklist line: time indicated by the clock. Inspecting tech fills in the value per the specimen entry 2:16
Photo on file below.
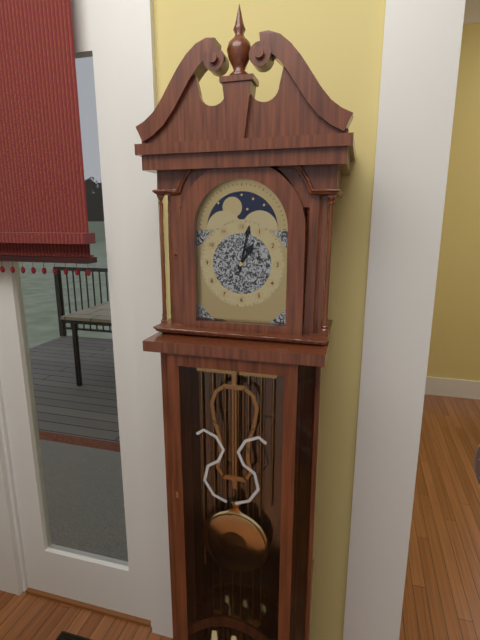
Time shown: 1:02
